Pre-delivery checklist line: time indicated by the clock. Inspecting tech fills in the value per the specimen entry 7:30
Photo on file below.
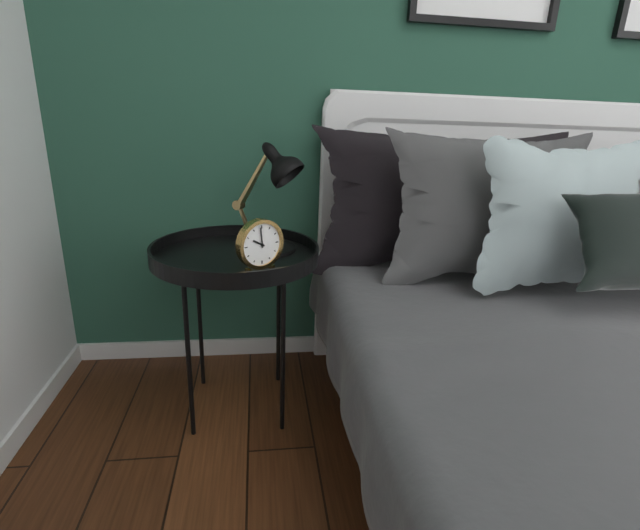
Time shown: 9:59
